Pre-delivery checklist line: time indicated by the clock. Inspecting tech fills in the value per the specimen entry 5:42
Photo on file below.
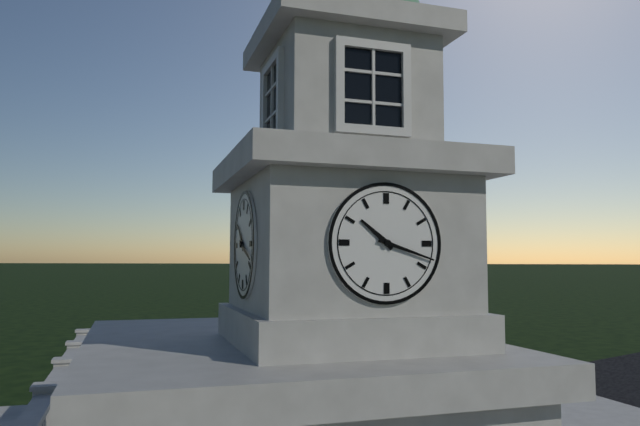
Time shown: 10:18
